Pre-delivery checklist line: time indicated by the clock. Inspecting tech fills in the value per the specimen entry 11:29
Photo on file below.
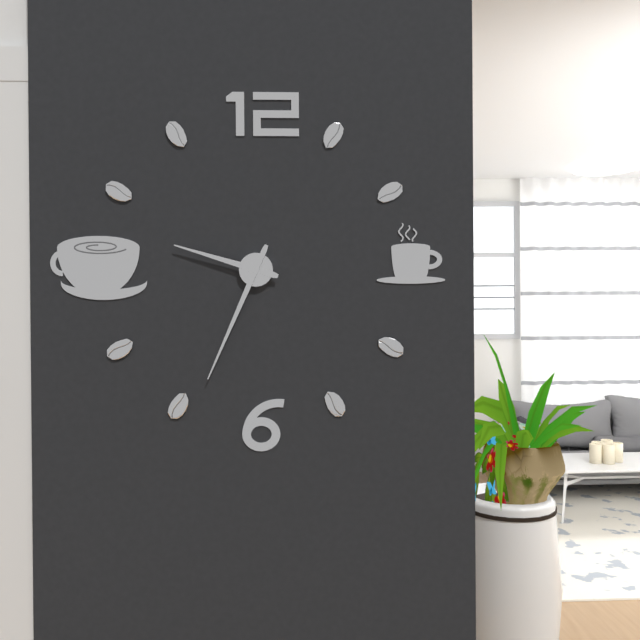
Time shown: 9:34
